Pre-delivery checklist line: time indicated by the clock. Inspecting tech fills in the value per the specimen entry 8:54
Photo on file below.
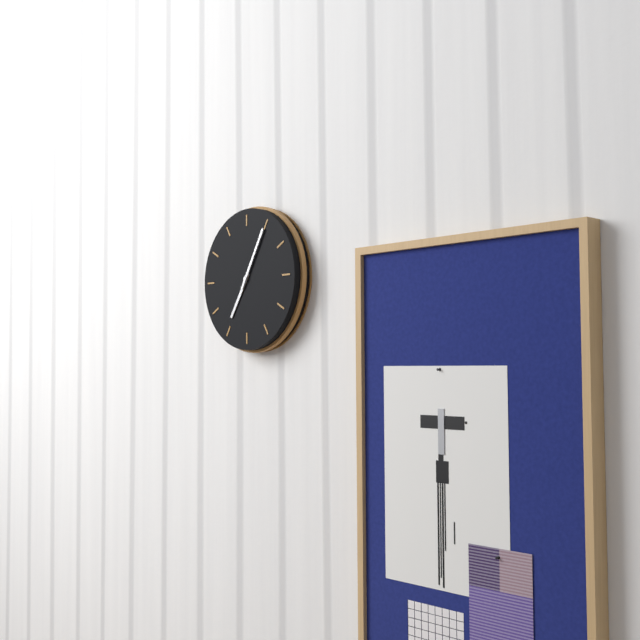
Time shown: 7:05
